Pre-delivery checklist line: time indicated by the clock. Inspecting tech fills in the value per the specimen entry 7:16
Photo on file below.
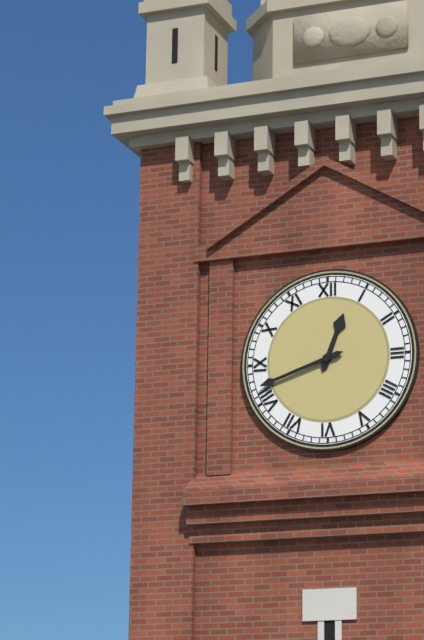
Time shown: 12:42
